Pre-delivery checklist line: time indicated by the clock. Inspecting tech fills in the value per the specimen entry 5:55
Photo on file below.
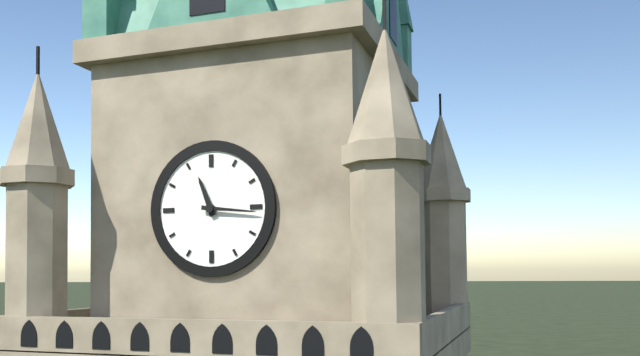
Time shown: 11:16
